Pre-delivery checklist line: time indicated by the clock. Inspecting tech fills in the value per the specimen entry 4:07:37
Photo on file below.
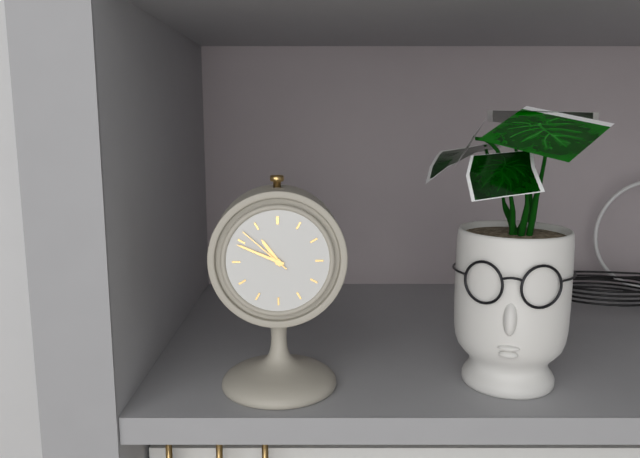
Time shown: 10:49:52
